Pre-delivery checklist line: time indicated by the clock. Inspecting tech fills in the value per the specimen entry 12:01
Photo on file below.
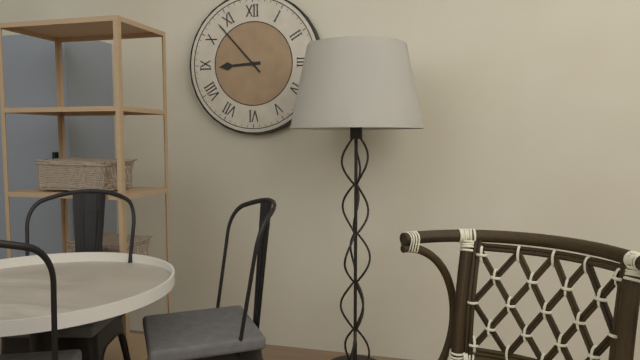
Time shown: 8:53
